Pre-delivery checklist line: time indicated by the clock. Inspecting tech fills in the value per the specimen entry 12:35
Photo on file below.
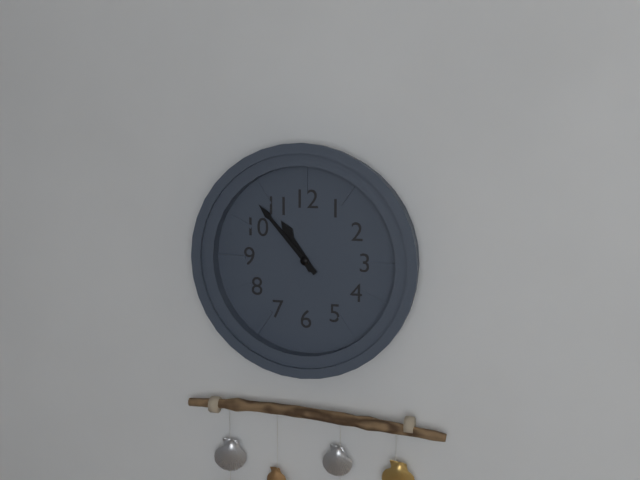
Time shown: 10:53
